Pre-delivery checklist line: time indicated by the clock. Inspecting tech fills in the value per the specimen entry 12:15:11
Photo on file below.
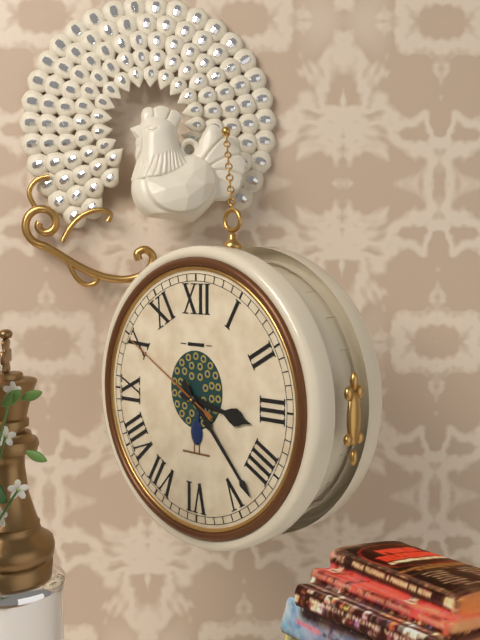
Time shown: 3:23:50
